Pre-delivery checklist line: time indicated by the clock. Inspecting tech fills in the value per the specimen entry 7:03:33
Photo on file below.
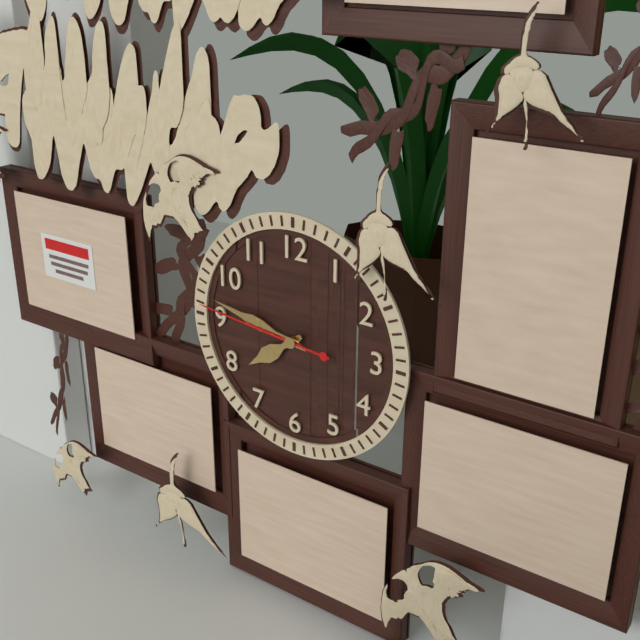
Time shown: 7:47:46
